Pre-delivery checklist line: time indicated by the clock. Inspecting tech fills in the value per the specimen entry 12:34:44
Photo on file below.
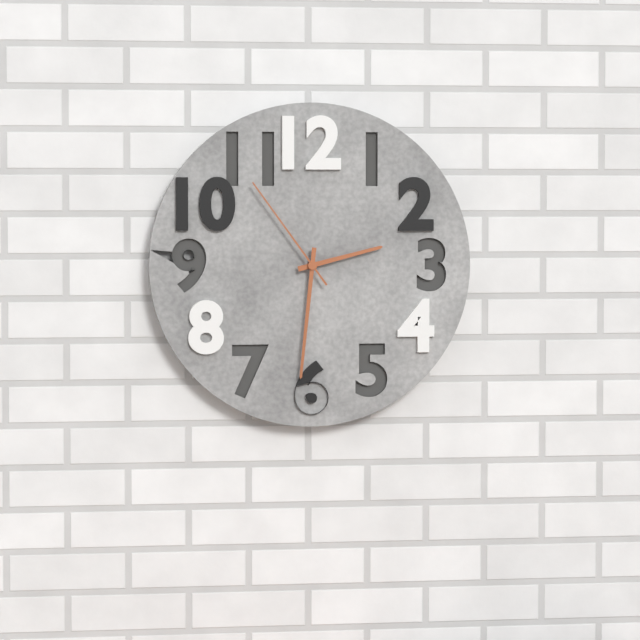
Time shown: 2:31:54
